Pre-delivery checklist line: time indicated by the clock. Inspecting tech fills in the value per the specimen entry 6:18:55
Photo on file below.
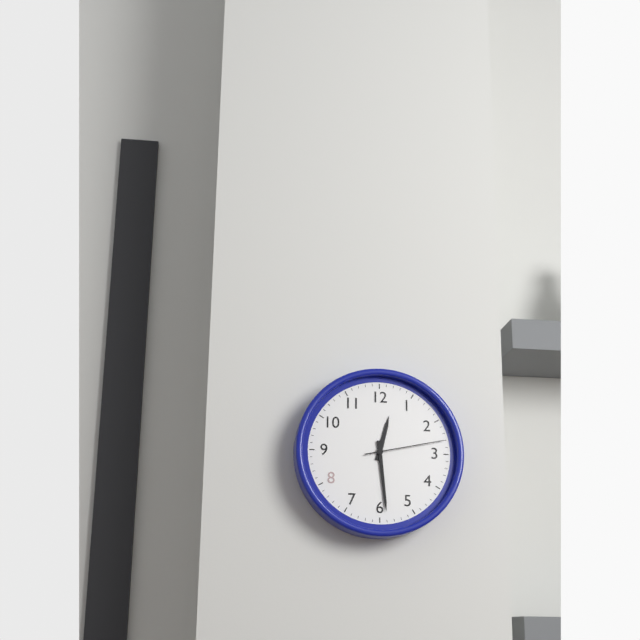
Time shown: 12:29:13
